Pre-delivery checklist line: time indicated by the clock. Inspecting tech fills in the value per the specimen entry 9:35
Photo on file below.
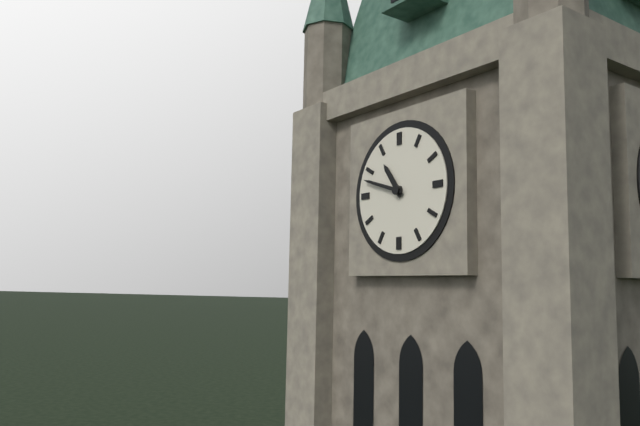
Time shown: 10:48
